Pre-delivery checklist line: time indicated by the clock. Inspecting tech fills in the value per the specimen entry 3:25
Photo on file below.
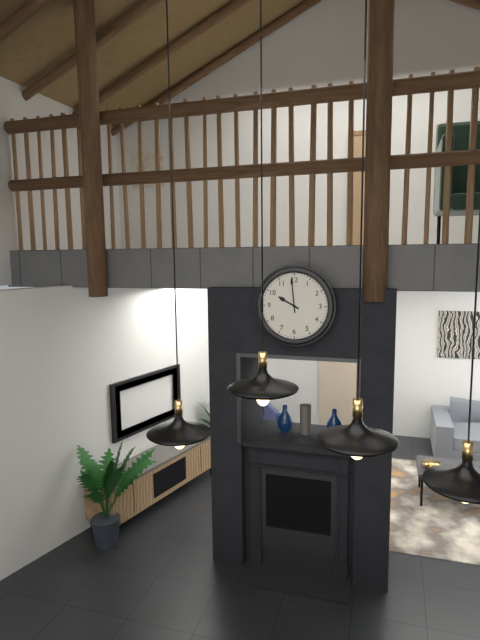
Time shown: 9:59
